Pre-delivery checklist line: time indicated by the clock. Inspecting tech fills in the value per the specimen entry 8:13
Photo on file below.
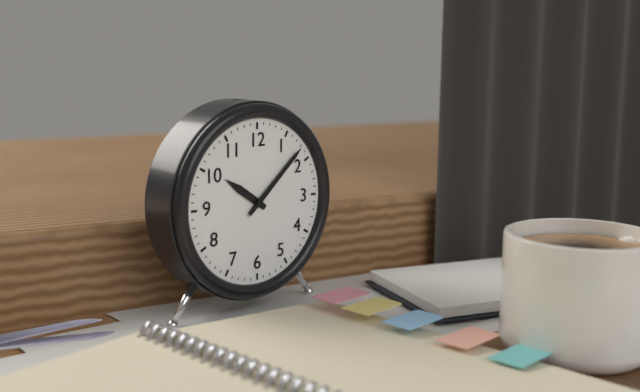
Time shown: 10:08
